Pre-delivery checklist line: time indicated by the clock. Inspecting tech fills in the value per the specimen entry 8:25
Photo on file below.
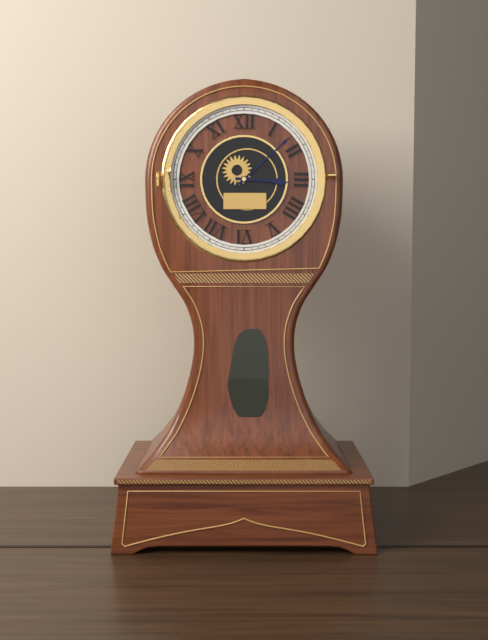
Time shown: 3:08
